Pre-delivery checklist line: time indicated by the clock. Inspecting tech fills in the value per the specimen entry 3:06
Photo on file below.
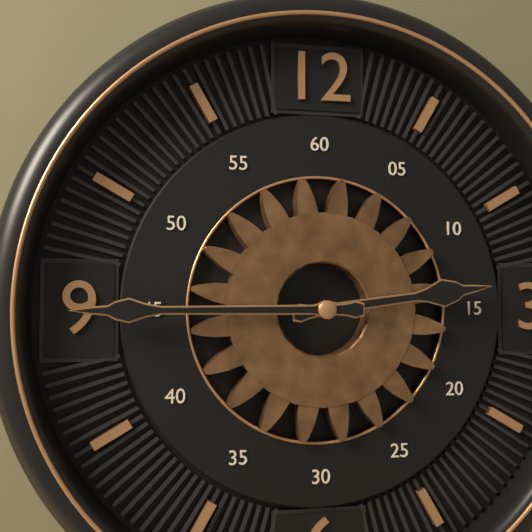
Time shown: 2:45
